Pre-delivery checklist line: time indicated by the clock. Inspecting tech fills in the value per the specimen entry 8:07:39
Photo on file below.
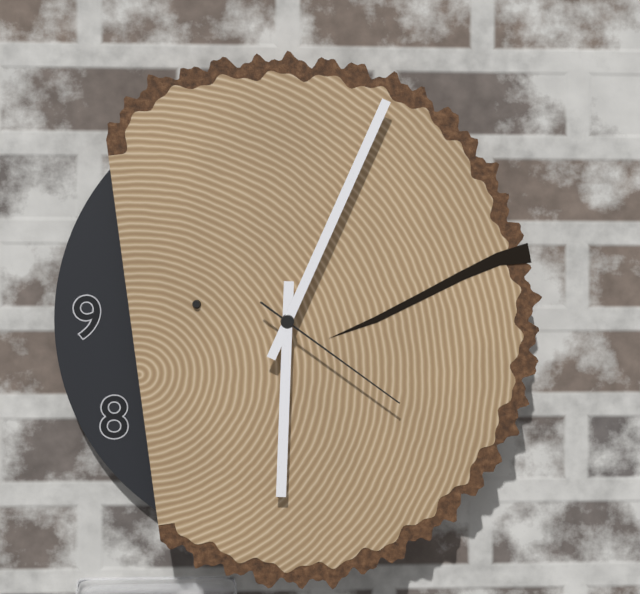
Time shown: 6:04:21
